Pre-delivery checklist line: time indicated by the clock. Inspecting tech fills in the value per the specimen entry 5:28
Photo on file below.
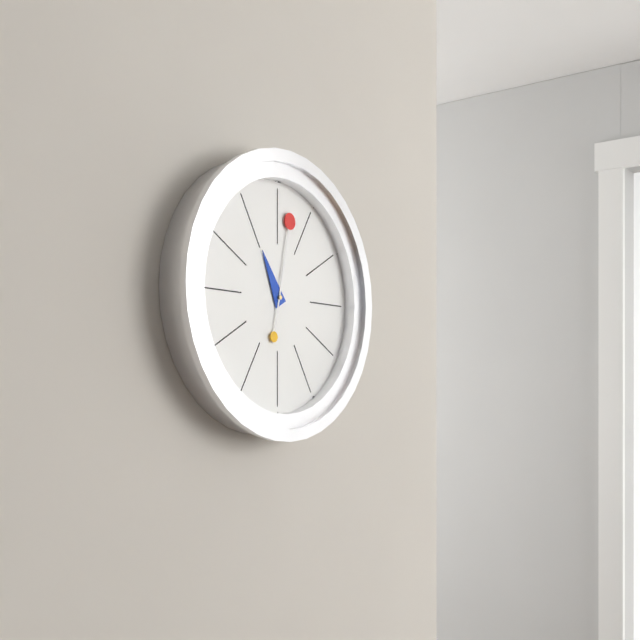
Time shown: 11:02
